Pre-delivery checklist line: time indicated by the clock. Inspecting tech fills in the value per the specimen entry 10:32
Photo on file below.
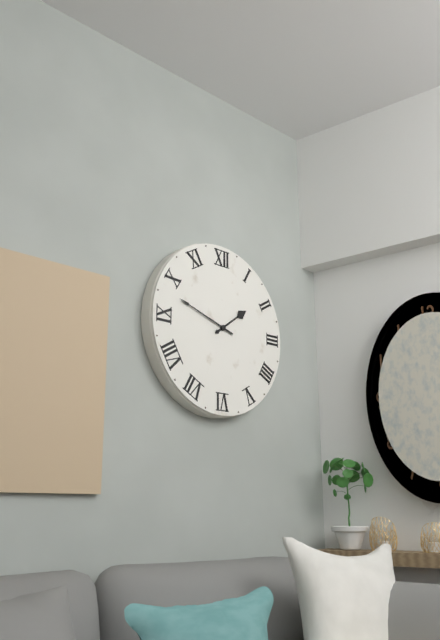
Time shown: 1:48
